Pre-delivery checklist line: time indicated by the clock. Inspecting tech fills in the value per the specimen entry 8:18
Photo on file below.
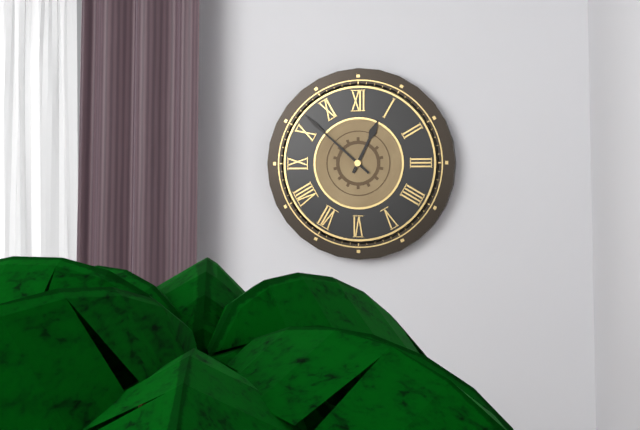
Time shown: 12:52
